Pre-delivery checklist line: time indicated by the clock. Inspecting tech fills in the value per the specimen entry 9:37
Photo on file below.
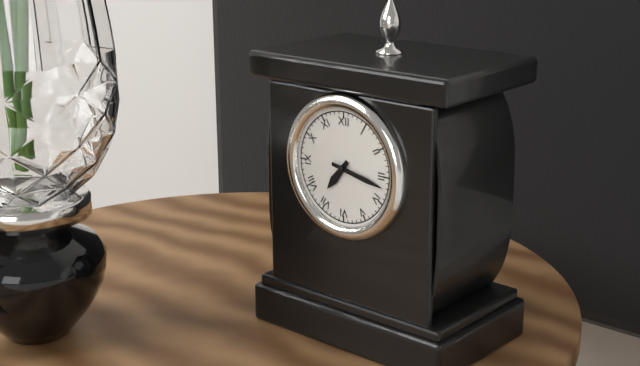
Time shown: 7:17
